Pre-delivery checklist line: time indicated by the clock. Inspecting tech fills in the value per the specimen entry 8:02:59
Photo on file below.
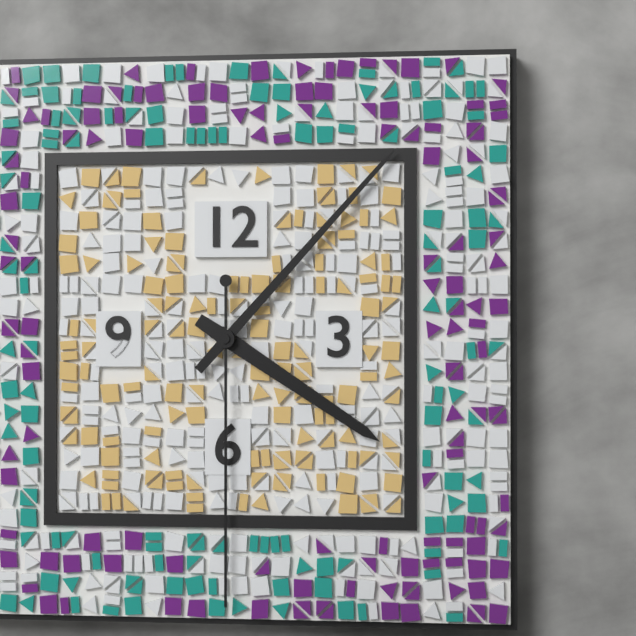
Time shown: 4:07:30
